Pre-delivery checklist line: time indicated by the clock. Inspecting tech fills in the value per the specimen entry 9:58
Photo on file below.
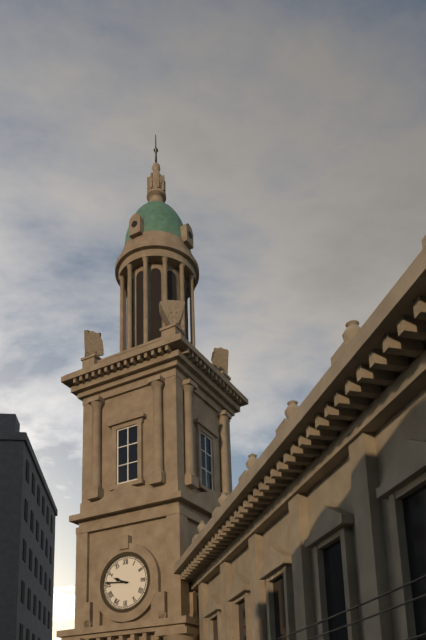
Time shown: 9:46
